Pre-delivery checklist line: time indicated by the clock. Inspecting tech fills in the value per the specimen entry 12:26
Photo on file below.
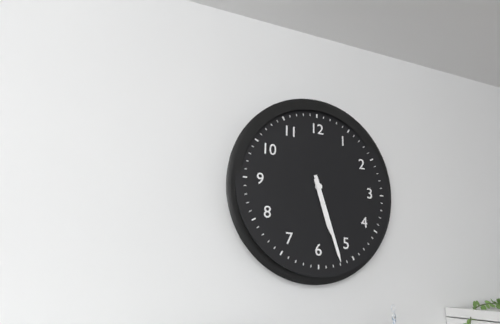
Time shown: 5:27
